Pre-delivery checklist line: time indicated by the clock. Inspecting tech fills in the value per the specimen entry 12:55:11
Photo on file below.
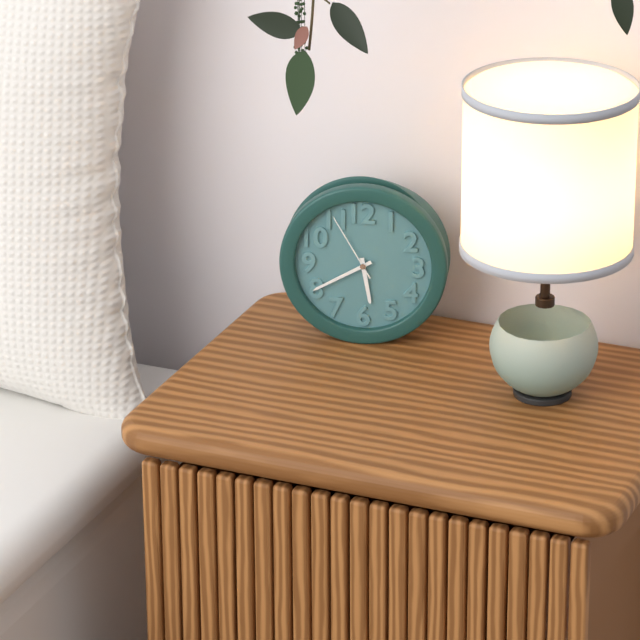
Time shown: 5:40:55
